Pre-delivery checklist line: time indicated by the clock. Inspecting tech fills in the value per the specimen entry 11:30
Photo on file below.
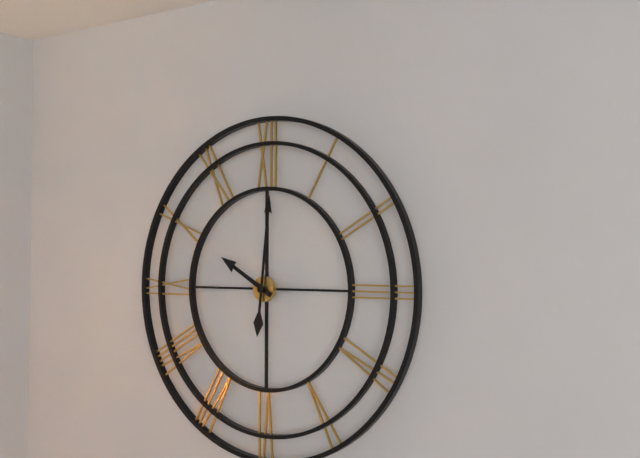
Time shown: 10:01
